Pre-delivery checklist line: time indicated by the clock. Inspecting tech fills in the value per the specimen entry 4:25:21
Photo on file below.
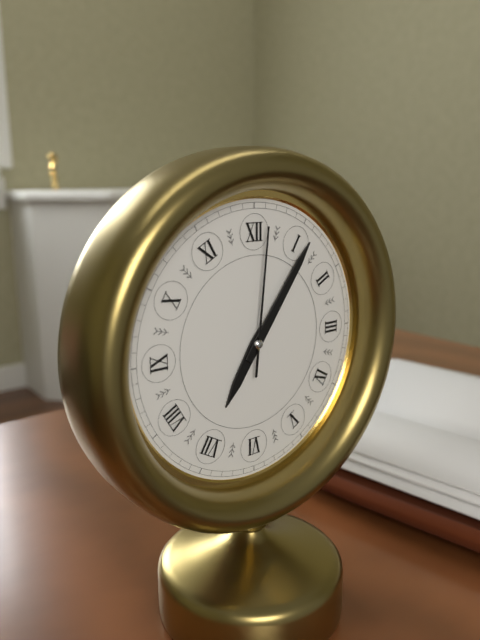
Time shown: 7:06:01
